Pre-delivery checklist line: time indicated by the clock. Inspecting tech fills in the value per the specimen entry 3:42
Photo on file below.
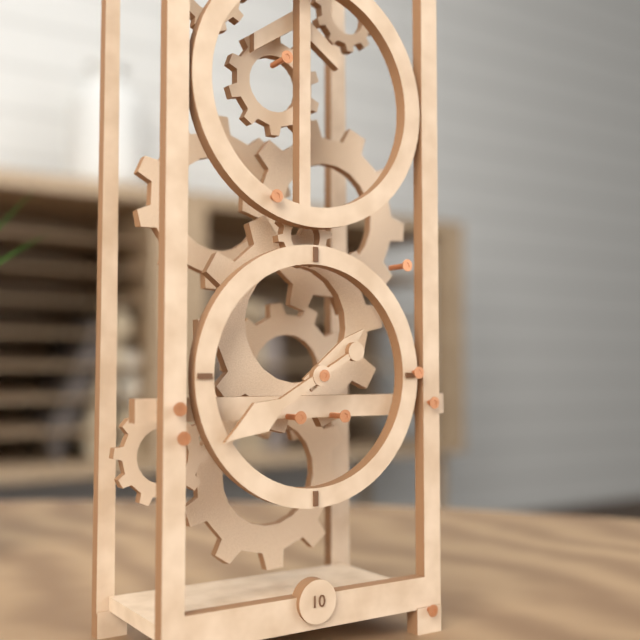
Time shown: 1:40
